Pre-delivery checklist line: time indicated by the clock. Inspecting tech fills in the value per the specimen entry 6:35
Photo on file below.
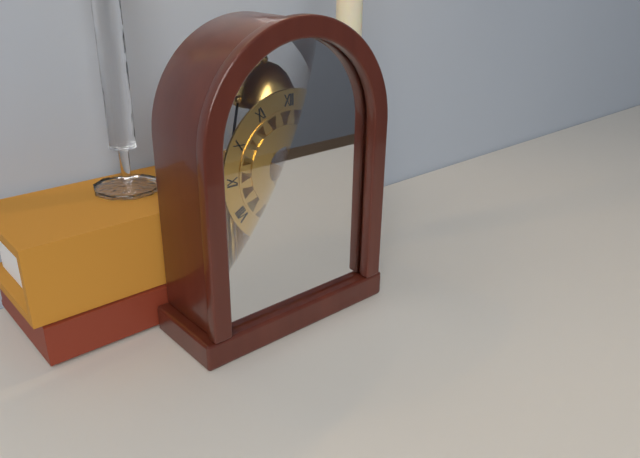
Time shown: 2:25
